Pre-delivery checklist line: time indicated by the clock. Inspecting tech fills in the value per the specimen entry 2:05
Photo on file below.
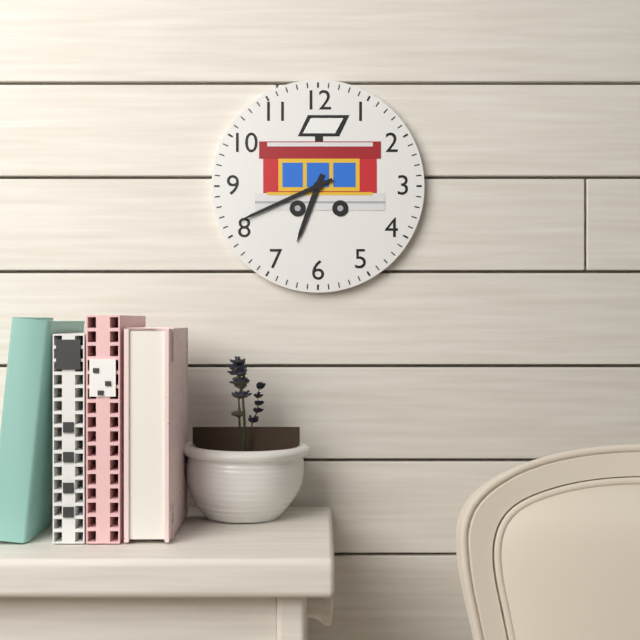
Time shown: 6:41
